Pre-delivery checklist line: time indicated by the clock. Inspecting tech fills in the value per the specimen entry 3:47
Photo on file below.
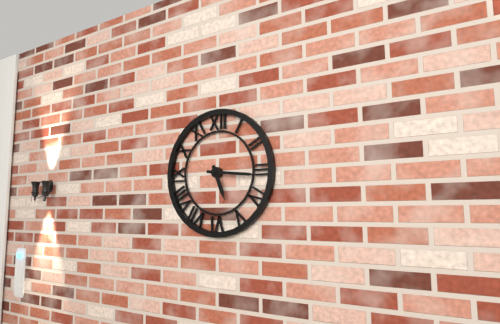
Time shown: 5:16
